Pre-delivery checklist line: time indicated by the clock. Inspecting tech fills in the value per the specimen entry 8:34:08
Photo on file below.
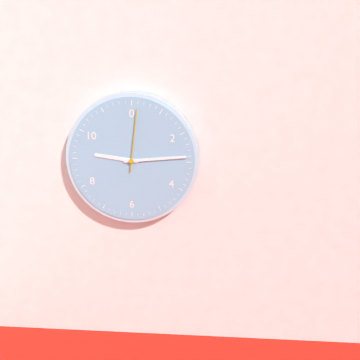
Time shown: 9:14:01
